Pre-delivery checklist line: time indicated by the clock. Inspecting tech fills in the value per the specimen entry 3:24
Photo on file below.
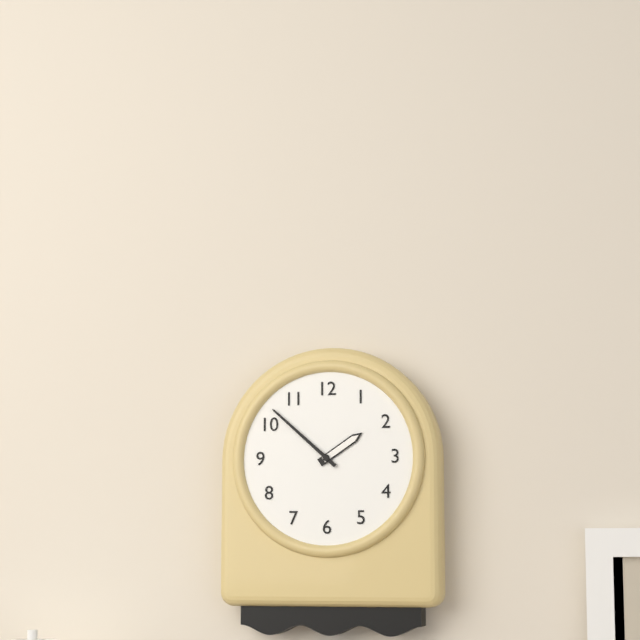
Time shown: 1:52
